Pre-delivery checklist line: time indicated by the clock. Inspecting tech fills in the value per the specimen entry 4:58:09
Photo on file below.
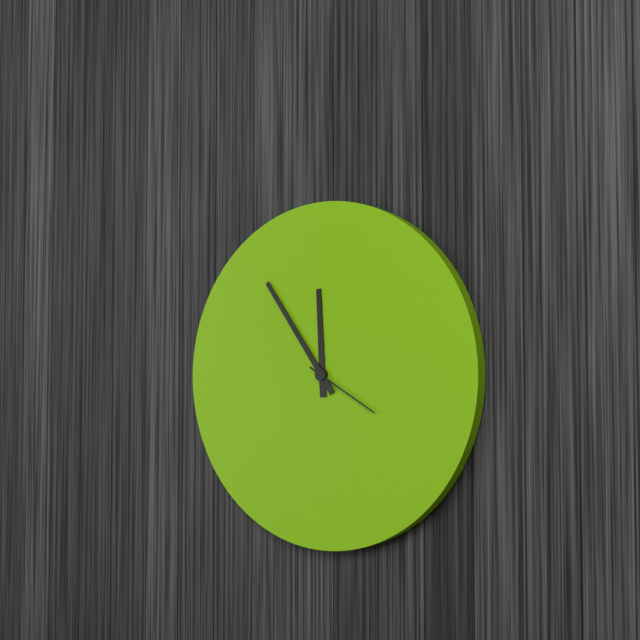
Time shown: 11:54:20
